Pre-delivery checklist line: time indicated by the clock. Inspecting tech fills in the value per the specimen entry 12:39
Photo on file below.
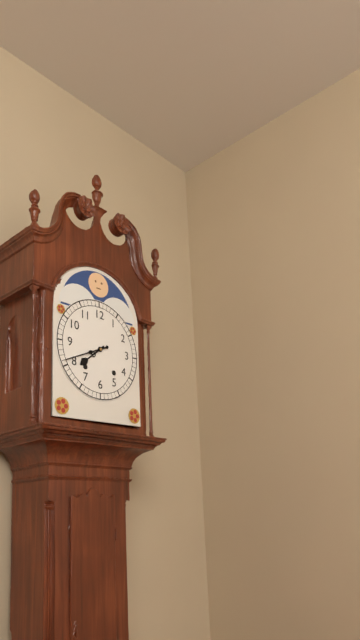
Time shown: 7:41
